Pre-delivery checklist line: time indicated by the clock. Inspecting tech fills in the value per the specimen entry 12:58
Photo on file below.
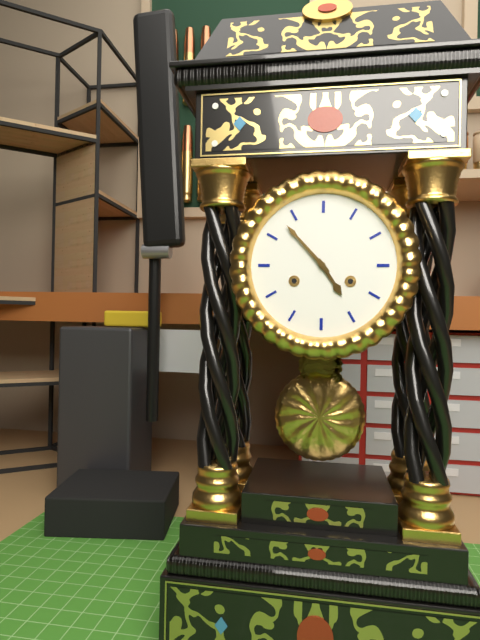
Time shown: 4:53
